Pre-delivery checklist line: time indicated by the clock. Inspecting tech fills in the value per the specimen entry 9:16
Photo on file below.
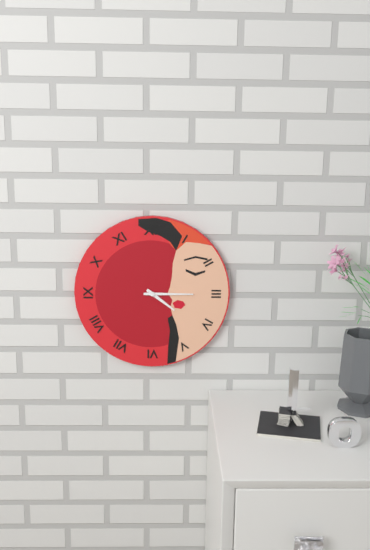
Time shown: 4:15
